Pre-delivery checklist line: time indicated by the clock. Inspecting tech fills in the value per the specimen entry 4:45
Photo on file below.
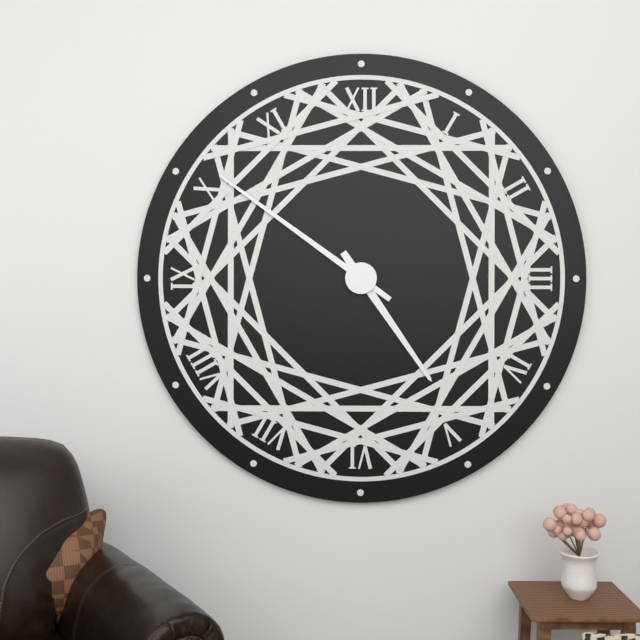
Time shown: 4:51
